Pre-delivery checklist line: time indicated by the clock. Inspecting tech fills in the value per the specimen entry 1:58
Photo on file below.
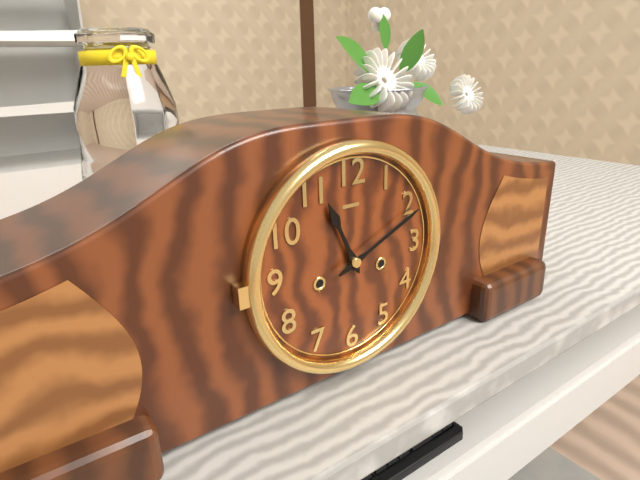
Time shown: 11:11
